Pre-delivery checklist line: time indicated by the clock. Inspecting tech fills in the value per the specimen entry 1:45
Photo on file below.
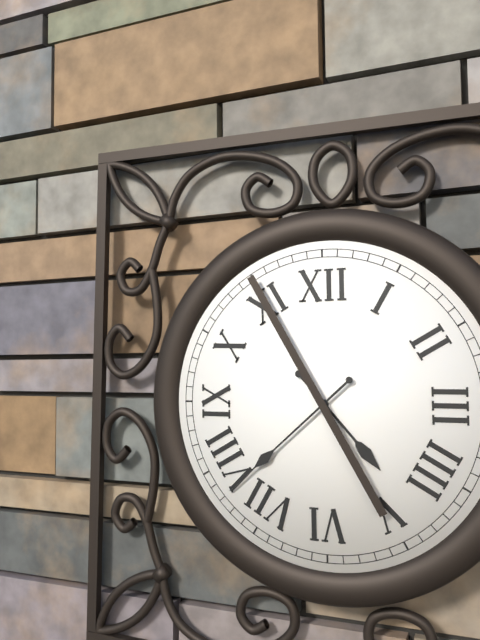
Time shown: 4:38
